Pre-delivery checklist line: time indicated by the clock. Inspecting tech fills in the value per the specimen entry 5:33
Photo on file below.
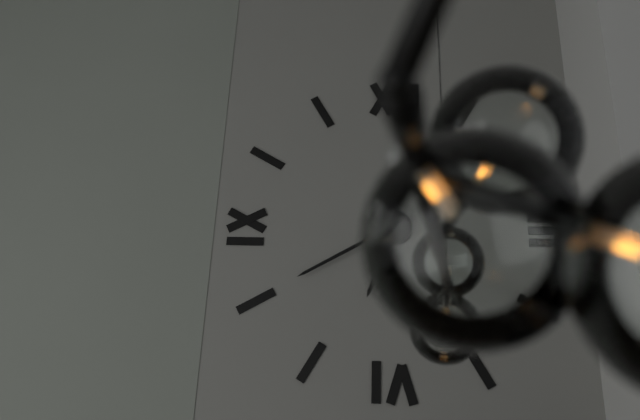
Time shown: 6:40
